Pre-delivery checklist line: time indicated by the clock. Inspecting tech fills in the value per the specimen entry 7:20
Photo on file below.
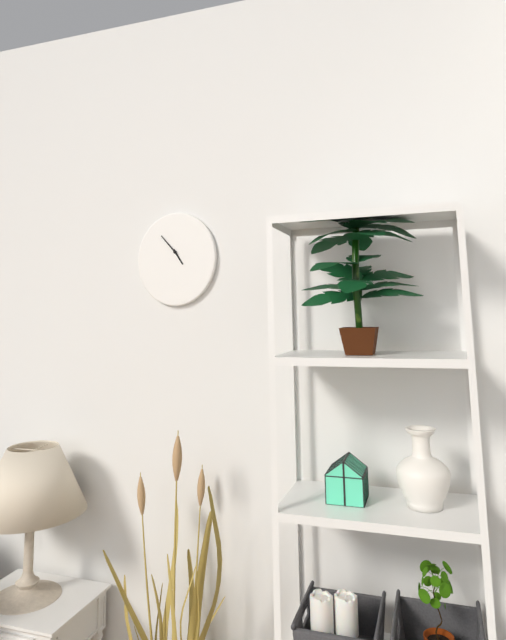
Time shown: 4:53
